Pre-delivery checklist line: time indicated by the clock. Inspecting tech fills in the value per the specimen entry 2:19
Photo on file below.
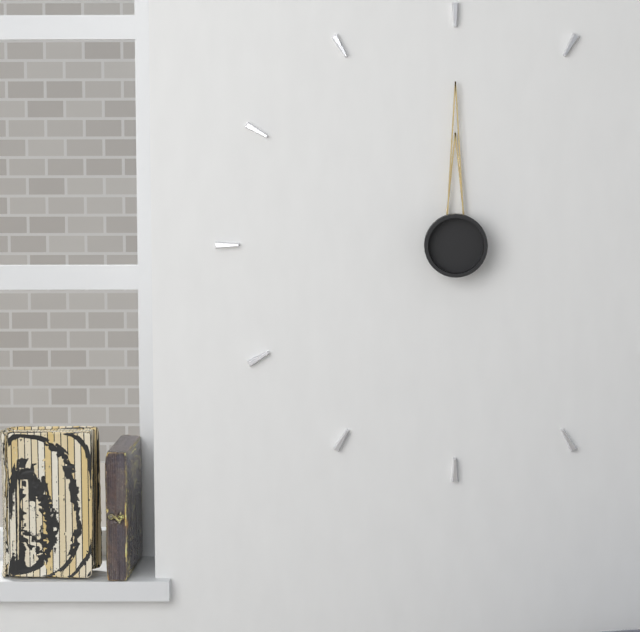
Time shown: 12:00
